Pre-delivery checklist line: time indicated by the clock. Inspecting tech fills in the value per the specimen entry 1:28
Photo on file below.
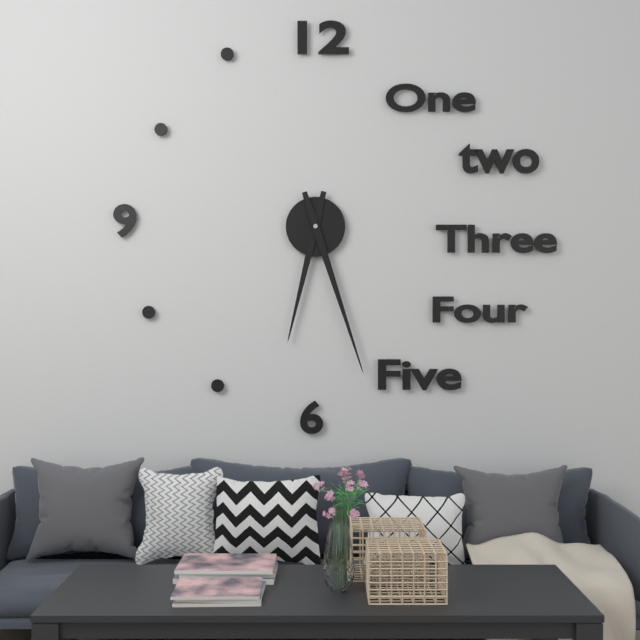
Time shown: 6:27
